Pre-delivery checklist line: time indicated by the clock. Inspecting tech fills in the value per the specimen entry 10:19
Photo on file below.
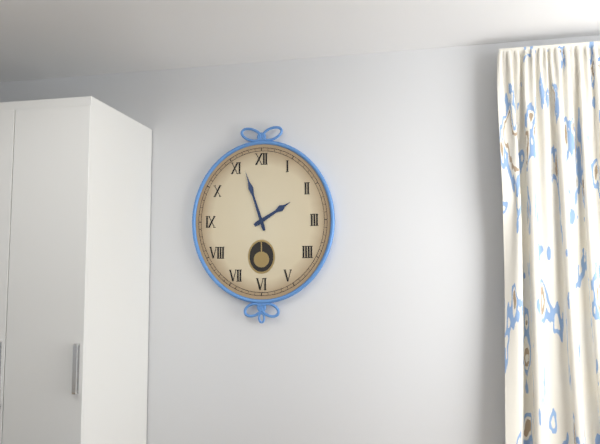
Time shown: 1:57
